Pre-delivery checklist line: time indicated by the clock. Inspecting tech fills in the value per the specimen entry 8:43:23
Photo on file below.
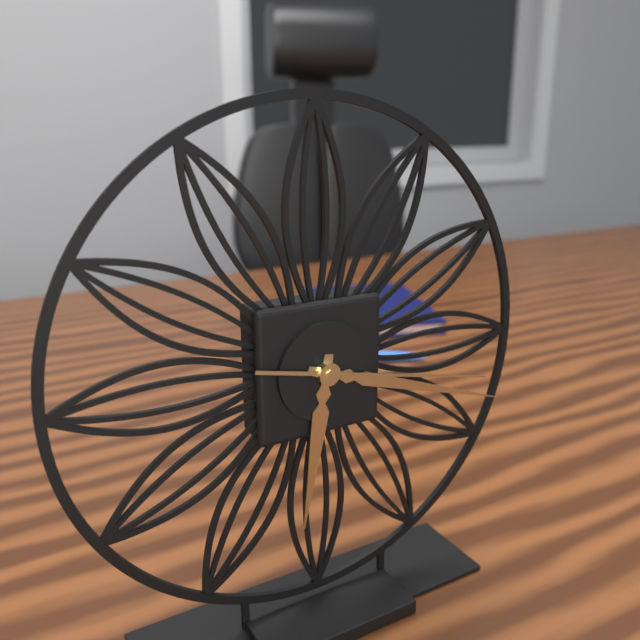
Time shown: 6:18:17
